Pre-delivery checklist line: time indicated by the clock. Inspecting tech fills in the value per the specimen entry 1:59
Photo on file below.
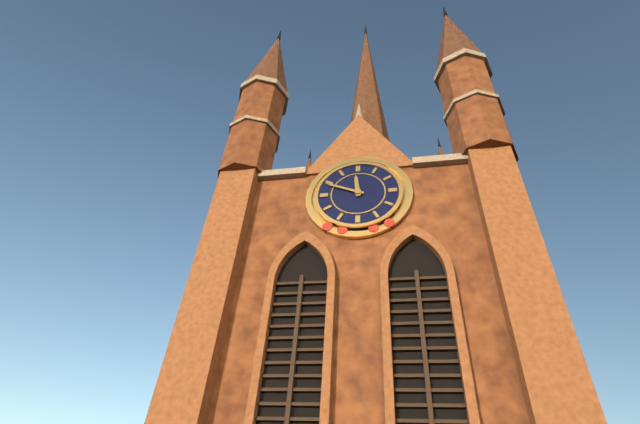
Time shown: 11:49
